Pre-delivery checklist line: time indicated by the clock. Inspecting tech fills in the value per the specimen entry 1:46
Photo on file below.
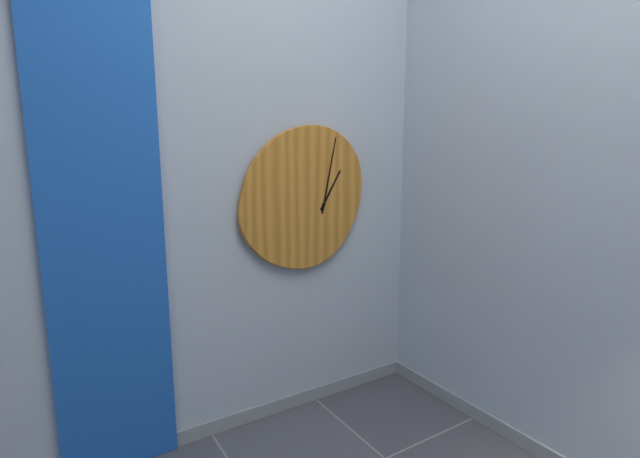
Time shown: 1:02
